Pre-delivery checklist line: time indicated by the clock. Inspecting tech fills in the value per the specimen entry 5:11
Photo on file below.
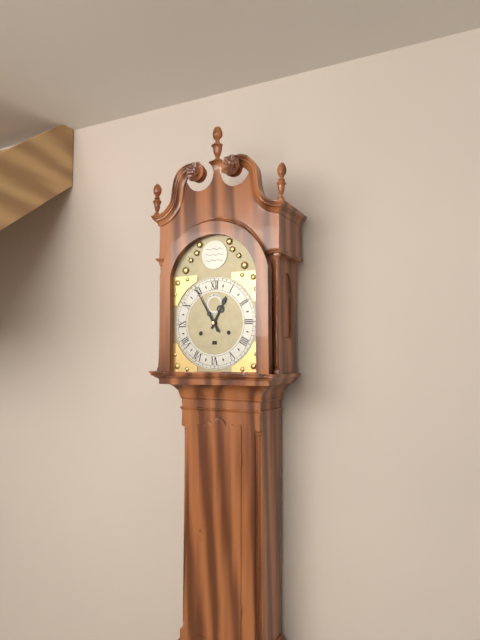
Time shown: 12:55
